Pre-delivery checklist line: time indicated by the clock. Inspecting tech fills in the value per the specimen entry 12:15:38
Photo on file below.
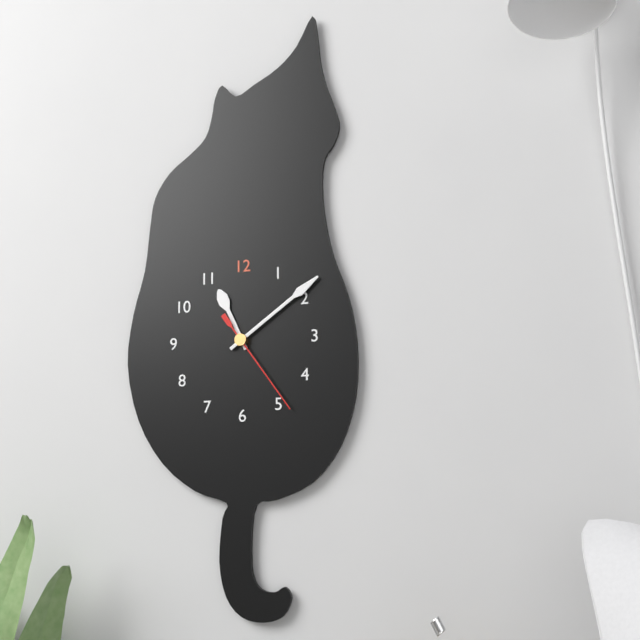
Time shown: 11:09:24
